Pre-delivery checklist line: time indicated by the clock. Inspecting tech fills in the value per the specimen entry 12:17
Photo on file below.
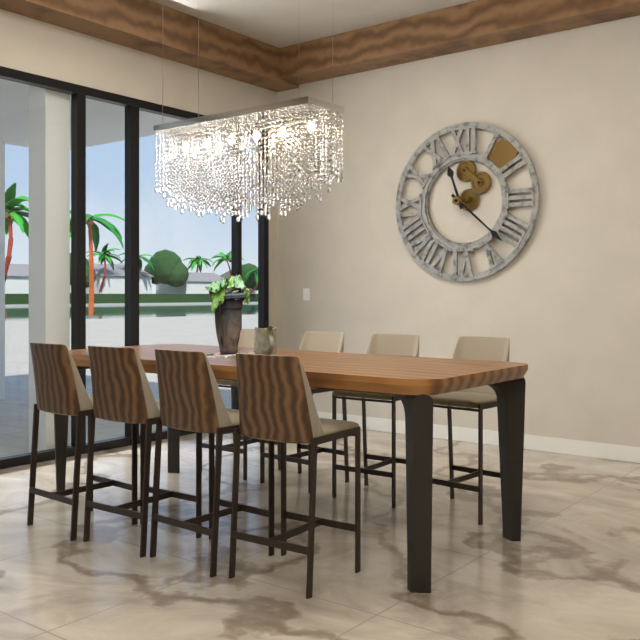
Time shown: 11:22
